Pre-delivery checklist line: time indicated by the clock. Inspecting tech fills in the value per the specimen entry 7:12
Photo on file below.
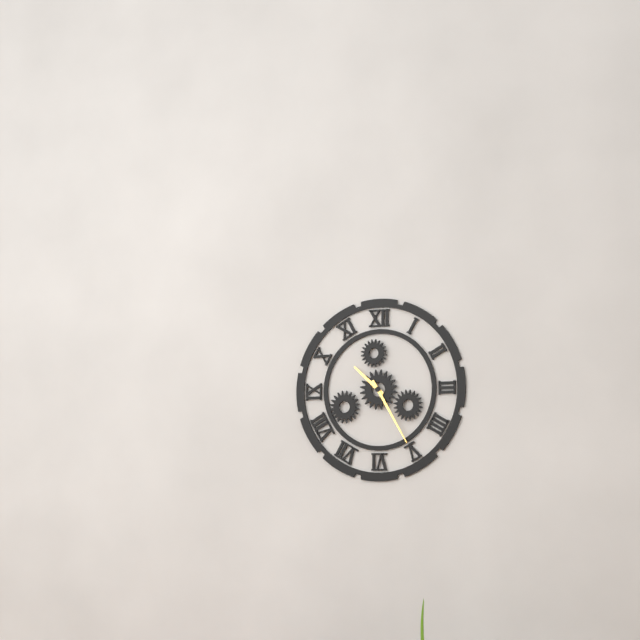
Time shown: 10:25
